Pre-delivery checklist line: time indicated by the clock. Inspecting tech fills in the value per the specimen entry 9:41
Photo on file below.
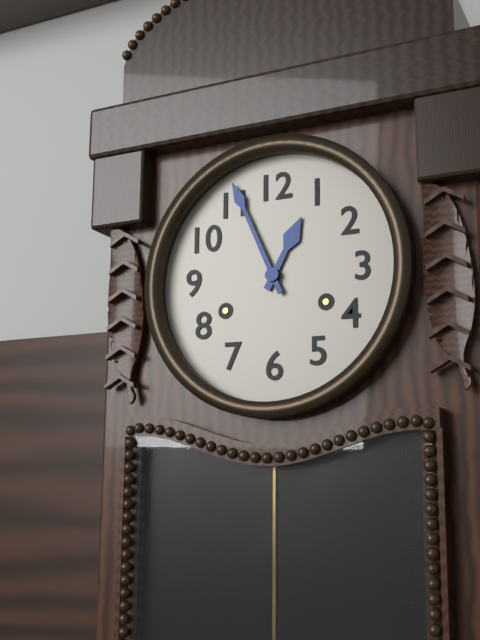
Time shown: 12:56
